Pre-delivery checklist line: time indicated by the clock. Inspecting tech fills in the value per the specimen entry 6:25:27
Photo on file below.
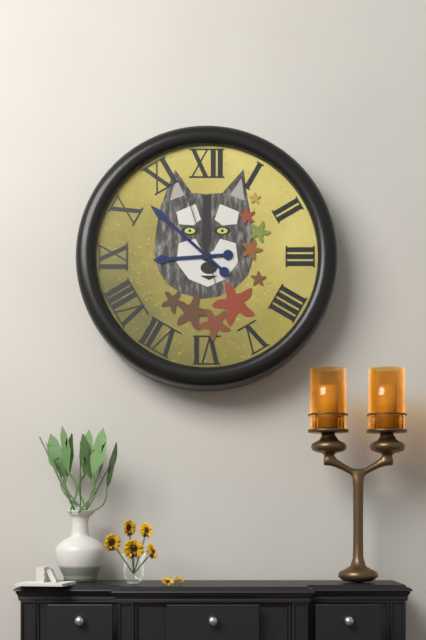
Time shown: 8:52:57
